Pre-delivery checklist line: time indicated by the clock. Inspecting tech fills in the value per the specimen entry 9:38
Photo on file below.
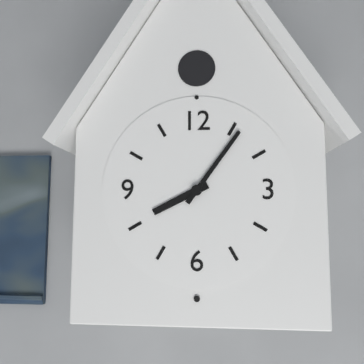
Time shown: 8:06
